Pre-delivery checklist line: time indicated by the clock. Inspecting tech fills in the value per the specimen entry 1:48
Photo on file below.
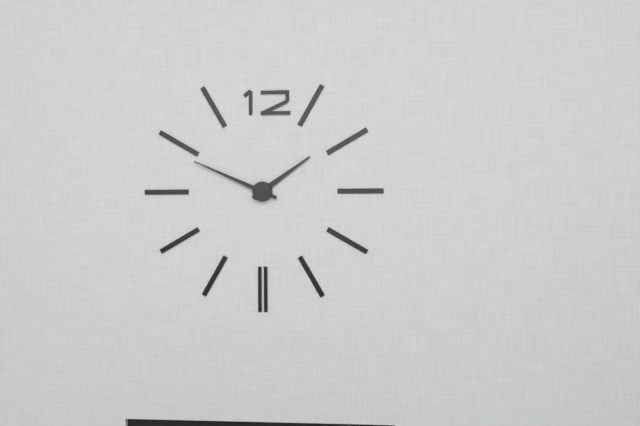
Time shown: 1:49
